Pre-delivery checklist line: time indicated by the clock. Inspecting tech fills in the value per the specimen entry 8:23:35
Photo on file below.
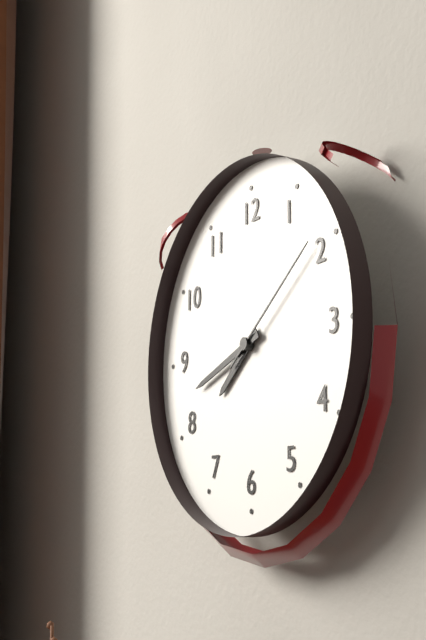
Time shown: 7:42:09
